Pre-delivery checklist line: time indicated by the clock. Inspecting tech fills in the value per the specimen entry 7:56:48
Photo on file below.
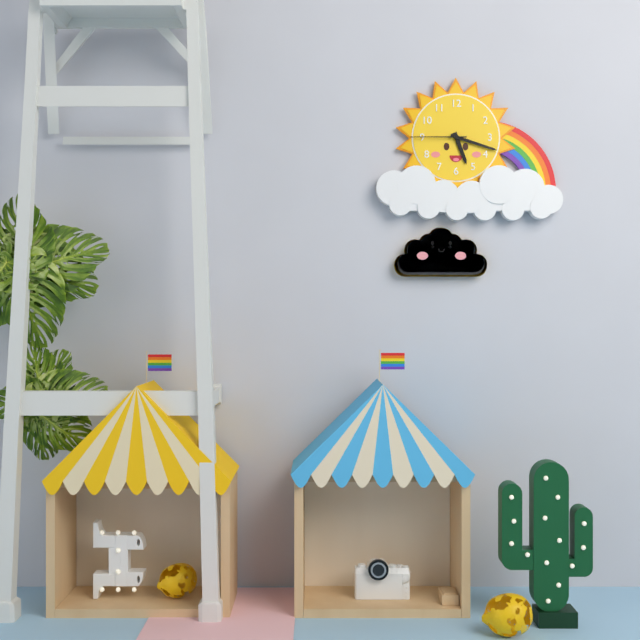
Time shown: 5:18:45
